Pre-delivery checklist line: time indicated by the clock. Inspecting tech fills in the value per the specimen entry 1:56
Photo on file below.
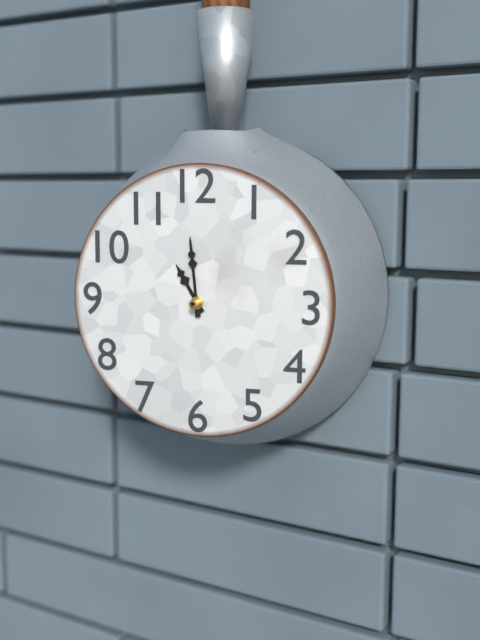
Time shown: 10:59
